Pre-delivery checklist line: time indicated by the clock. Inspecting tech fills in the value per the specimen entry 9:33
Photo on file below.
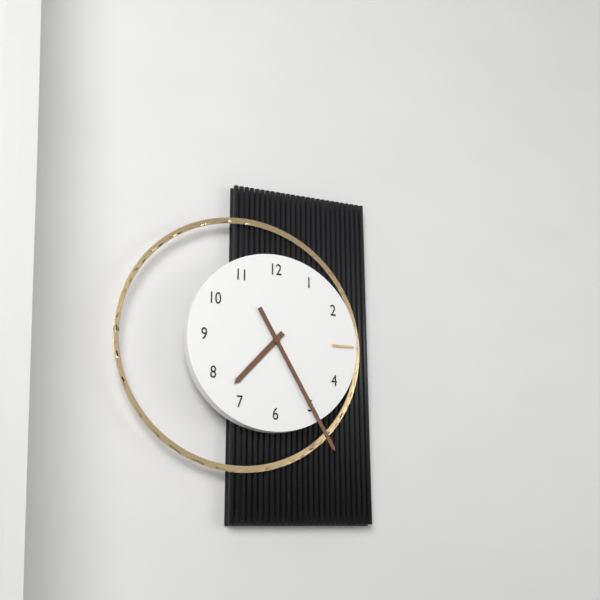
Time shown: 7:25
